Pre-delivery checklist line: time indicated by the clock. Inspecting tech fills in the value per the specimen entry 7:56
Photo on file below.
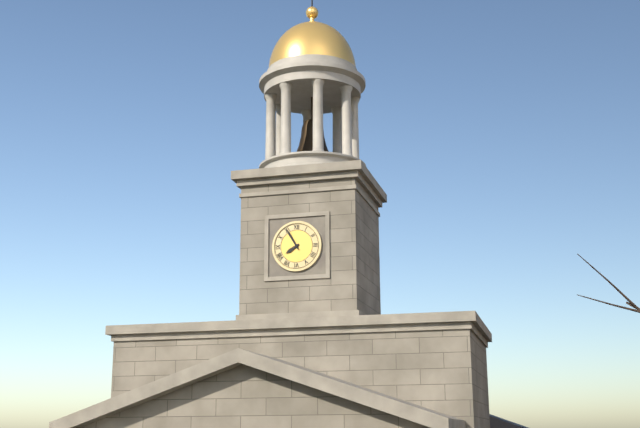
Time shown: 7:55
